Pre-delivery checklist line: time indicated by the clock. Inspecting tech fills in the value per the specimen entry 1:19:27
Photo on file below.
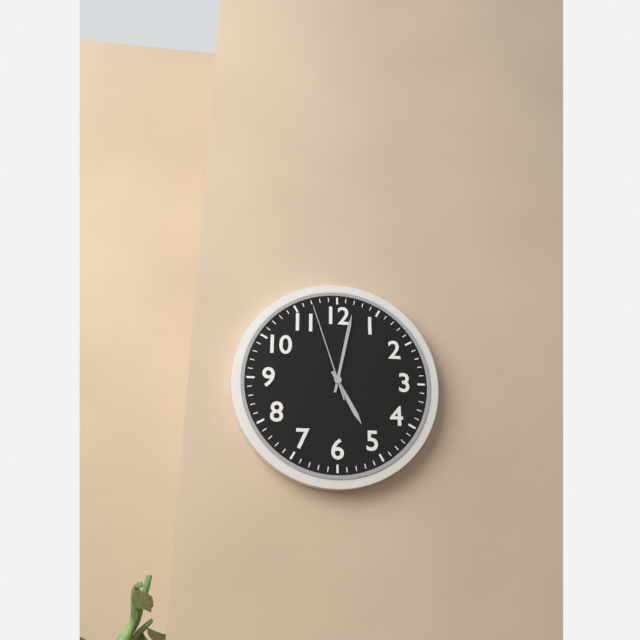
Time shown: 5:02:57
